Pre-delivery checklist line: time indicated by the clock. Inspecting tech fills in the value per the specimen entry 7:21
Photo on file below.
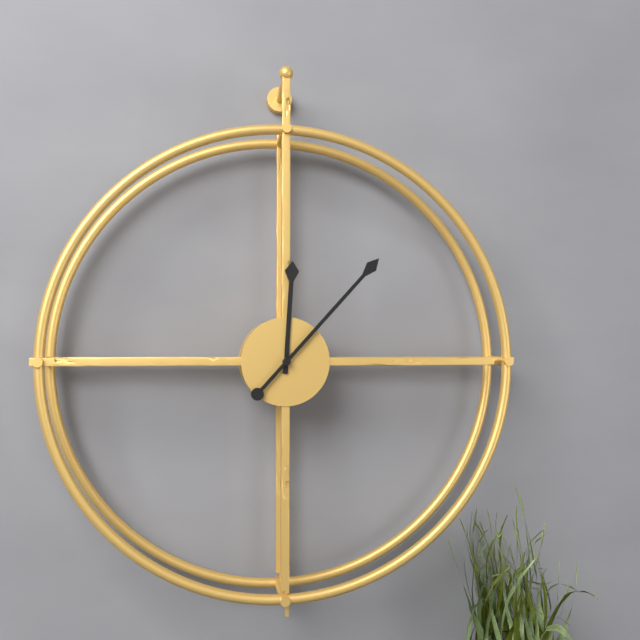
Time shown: 12:07
